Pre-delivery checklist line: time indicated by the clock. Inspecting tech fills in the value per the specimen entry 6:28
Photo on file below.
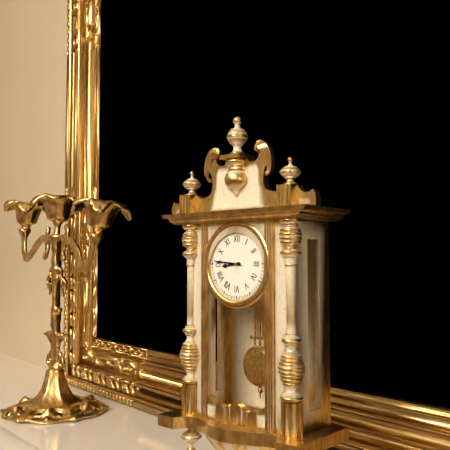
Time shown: 8:46
